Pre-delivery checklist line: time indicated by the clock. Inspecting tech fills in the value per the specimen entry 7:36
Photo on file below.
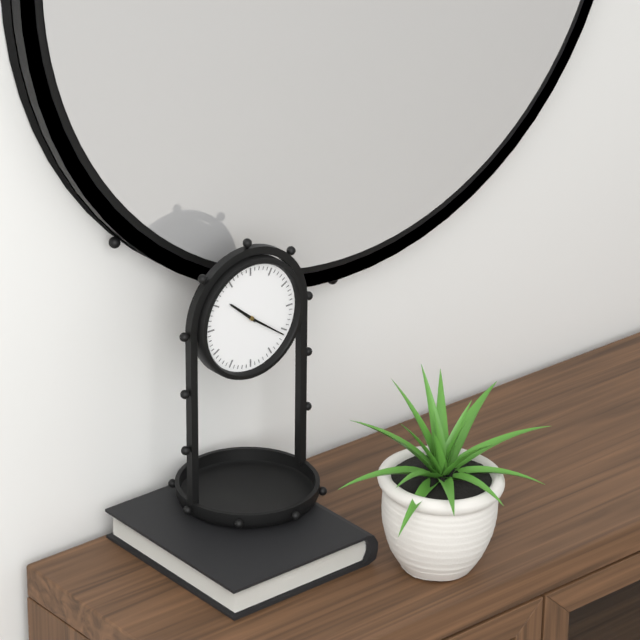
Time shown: 10:21
